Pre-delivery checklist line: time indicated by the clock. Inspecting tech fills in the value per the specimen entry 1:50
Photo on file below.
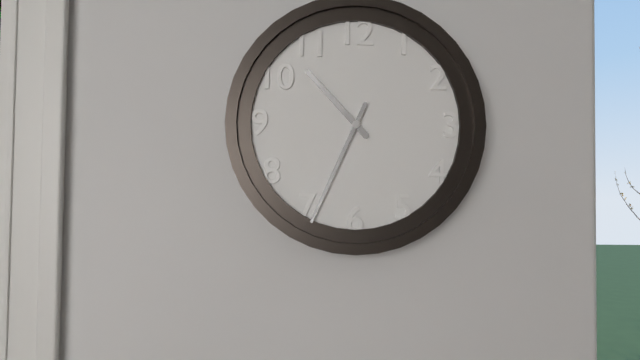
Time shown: 10:34
